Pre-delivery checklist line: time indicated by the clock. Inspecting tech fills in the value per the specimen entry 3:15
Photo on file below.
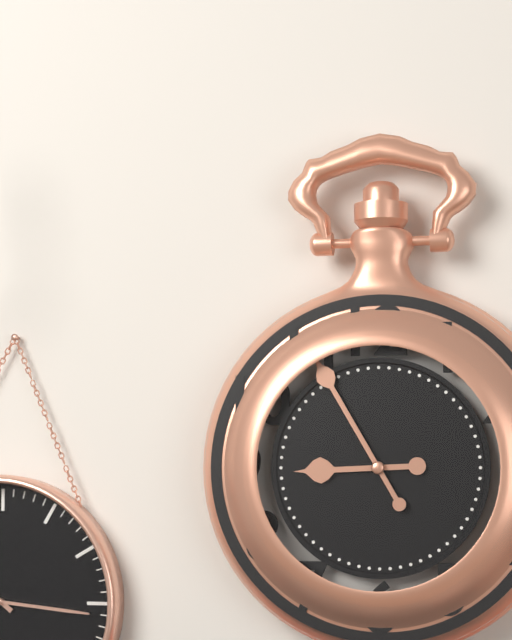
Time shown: 8:55
